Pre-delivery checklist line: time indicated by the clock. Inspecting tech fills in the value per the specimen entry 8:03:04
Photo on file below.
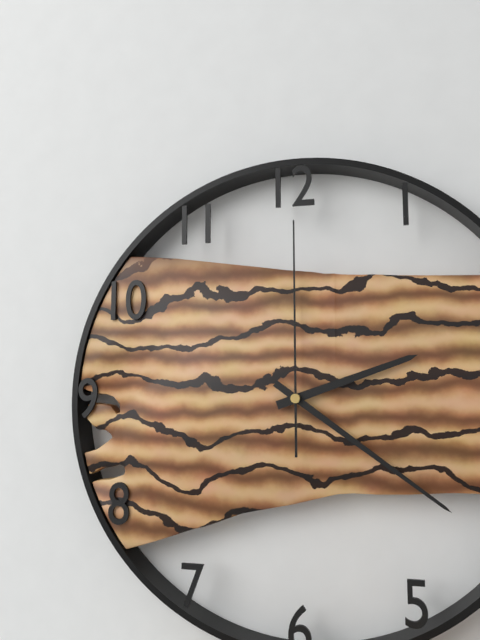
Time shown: 2:21:00
